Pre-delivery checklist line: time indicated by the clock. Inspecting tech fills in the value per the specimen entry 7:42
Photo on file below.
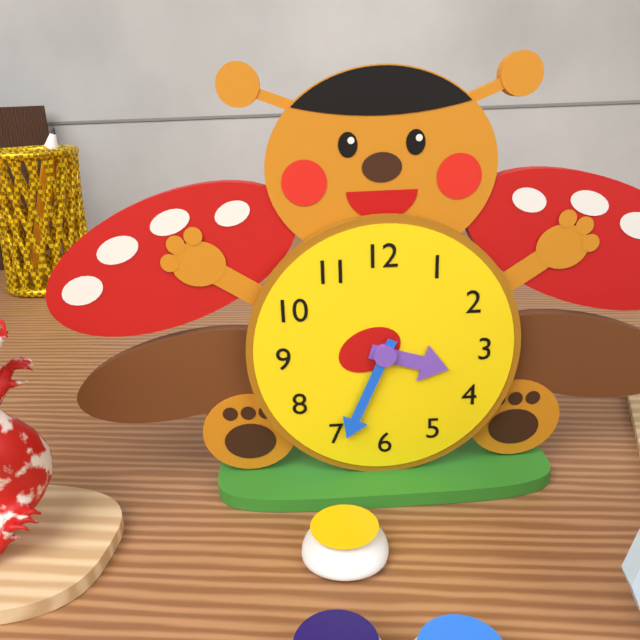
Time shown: 3:34
